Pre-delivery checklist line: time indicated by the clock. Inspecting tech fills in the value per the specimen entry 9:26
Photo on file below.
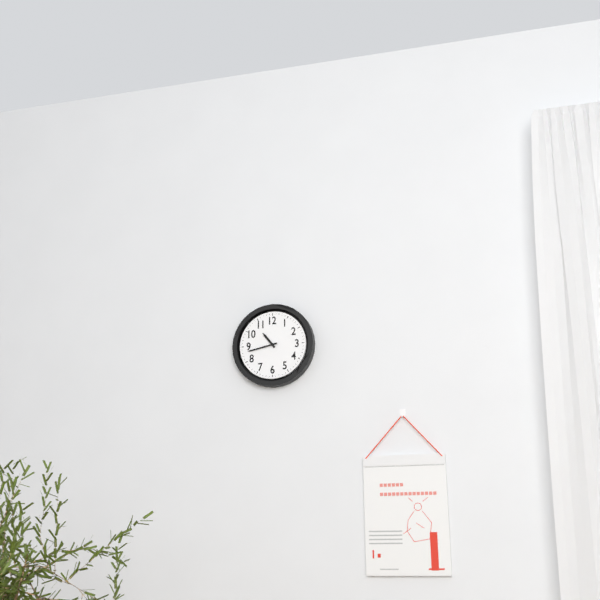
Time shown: 10:43
